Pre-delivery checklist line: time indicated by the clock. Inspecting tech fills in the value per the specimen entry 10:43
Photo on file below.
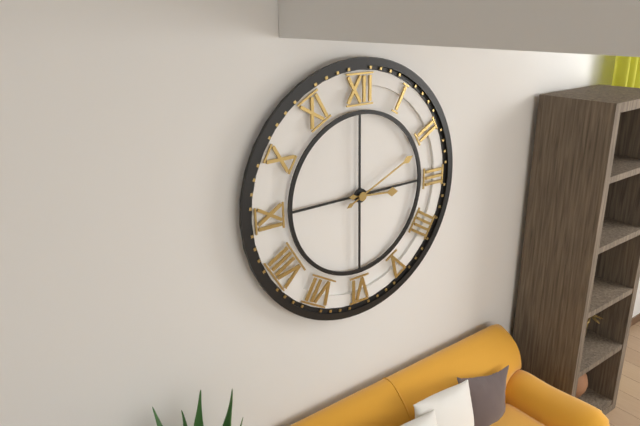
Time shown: 3:11
